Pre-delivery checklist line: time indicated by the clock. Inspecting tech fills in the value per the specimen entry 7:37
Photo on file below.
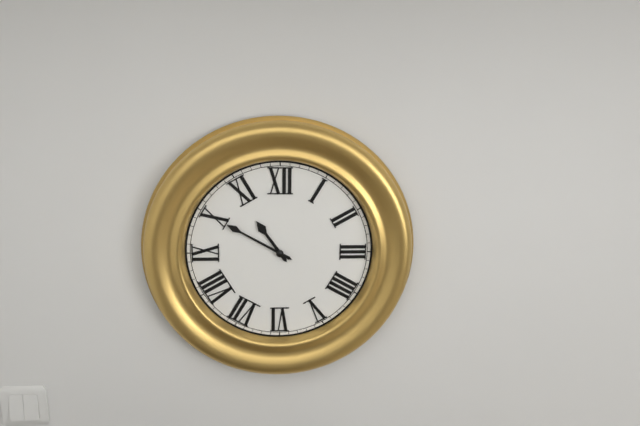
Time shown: 10:50
